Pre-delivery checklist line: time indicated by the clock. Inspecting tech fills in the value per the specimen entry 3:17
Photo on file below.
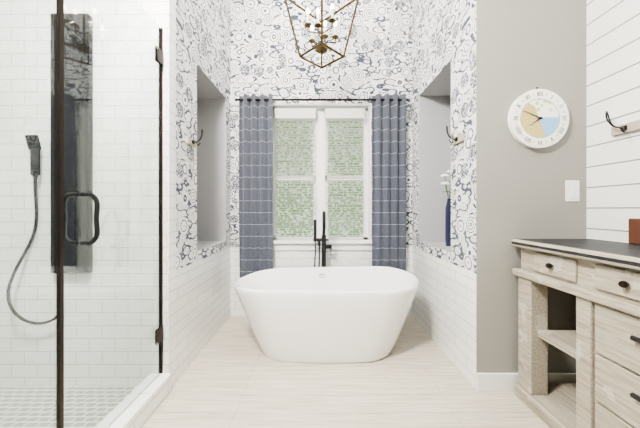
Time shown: 7:49
